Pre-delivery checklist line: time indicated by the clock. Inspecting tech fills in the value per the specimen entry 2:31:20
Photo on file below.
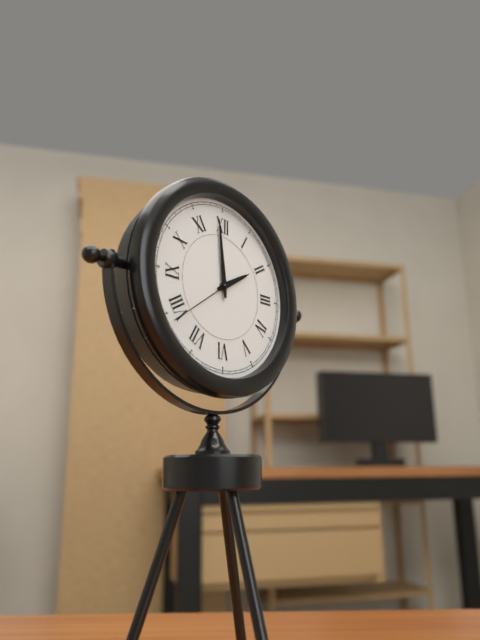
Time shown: 1:59:39
